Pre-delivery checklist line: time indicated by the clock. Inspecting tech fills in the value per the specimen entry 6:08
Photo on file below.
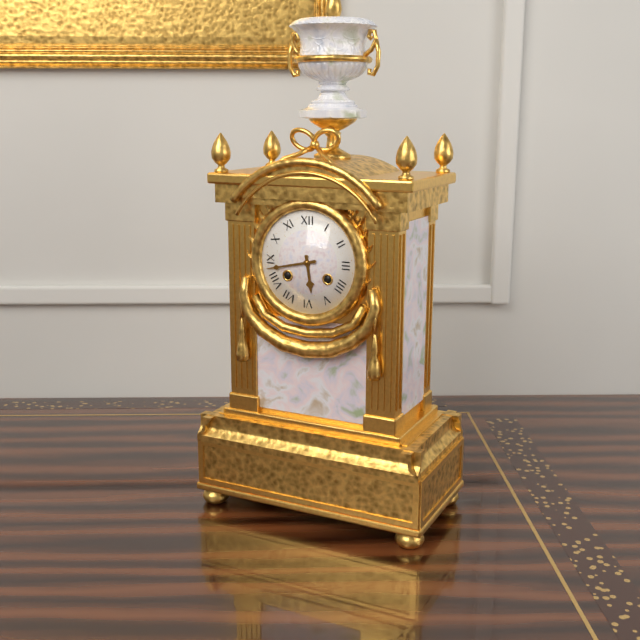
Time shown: 5:43
